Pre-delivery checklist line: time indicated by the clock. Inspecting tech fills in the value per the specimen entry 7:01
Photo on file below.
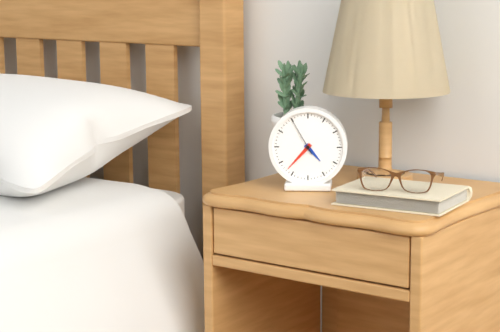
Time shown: 4:37
